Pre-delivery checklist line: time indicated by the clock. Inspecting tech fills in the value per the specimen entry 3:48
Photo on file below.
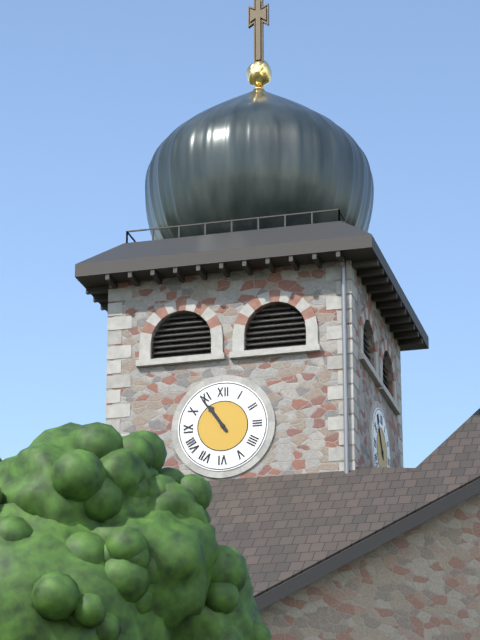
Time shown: 10:54
